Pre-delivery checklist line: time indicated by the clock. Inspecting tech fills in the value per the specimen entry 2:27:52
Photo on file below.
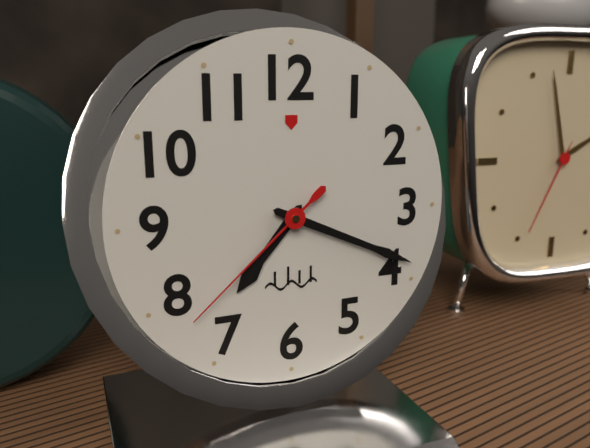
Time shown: 7:19:38
